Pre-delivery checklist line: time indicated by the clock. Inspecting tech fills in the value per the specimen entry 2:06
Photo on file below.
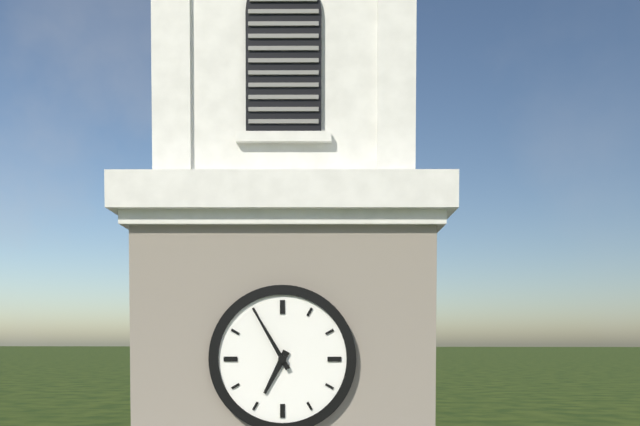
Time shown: 6:55
